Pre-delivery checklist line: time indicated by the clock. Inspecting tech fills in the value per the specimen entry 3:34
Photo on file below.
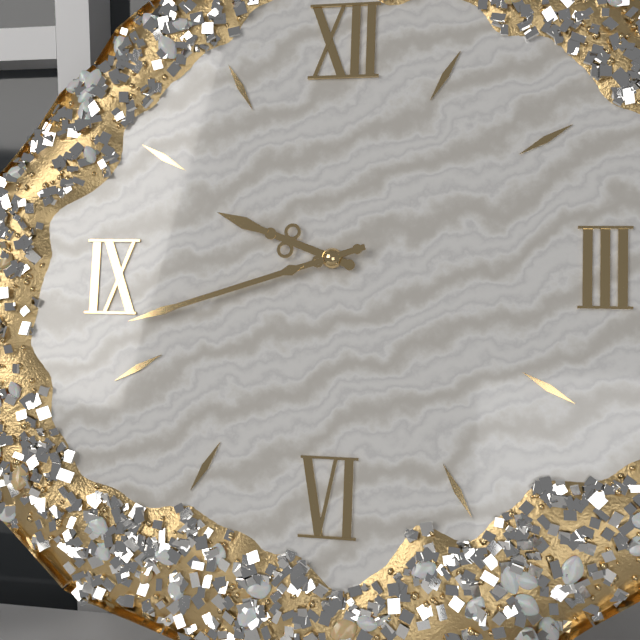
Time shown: 9:42
